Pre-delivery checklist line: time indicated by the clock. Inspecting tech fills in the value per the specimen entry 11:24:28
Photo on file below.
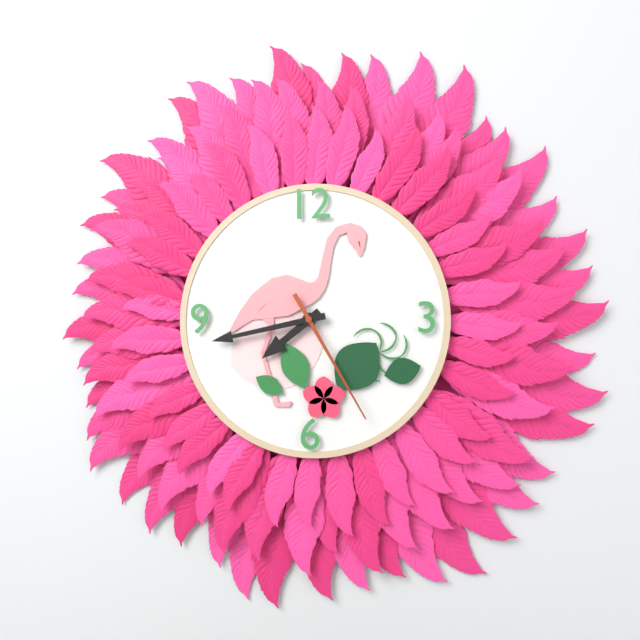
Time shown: 7:43:25
